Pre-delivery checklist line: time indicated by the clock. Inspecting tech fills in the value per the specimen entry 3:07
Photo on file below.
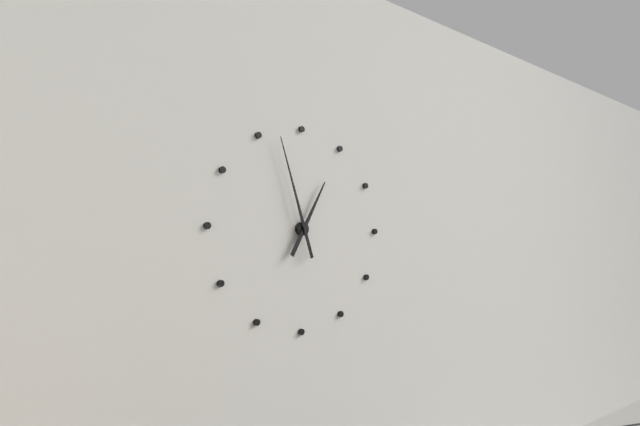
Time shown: 12:57
